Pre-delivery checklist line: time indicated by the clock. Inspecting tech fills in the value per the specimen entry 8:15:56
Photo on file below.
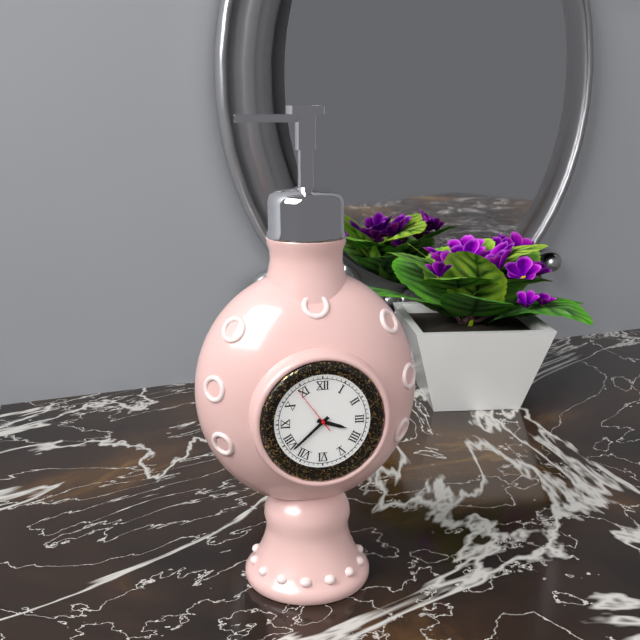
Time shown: 3:38:54
